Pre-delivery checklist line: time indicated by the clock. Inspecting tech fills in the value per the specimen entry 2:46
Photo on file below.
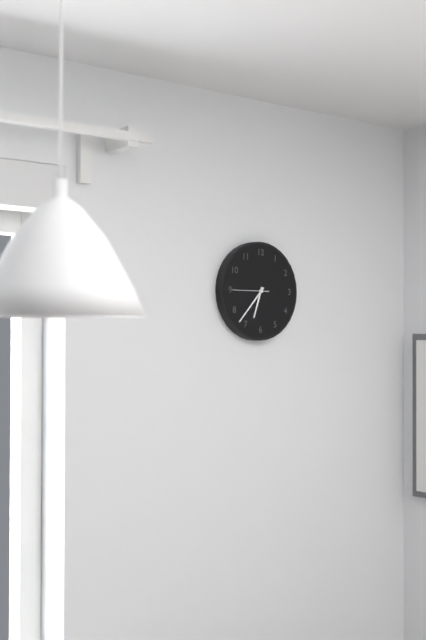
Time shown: 6:37
